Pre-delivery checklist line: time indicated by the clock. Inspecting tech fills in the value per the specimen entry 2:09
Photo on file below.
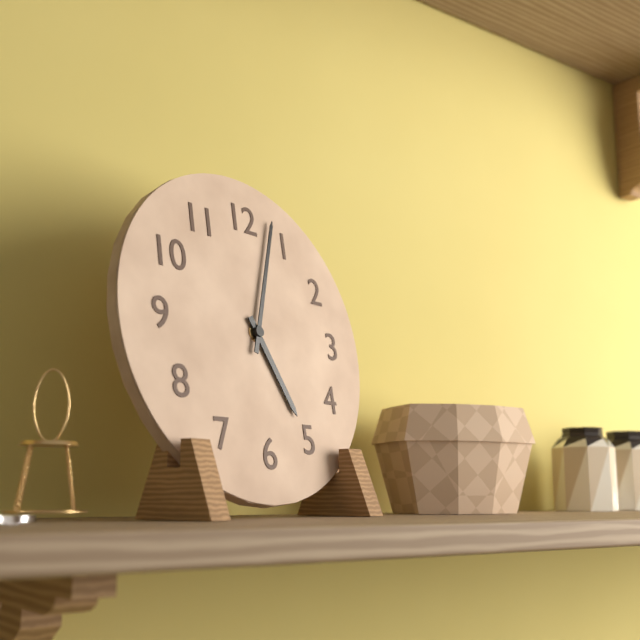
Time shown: 5:03
